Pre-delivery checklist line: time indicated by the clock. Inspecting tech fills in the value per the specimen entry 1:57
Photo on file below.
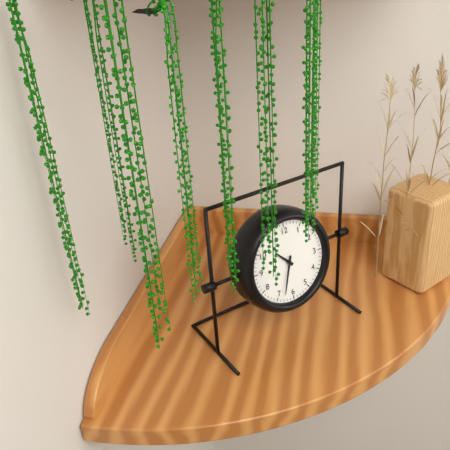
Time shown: 10:33
